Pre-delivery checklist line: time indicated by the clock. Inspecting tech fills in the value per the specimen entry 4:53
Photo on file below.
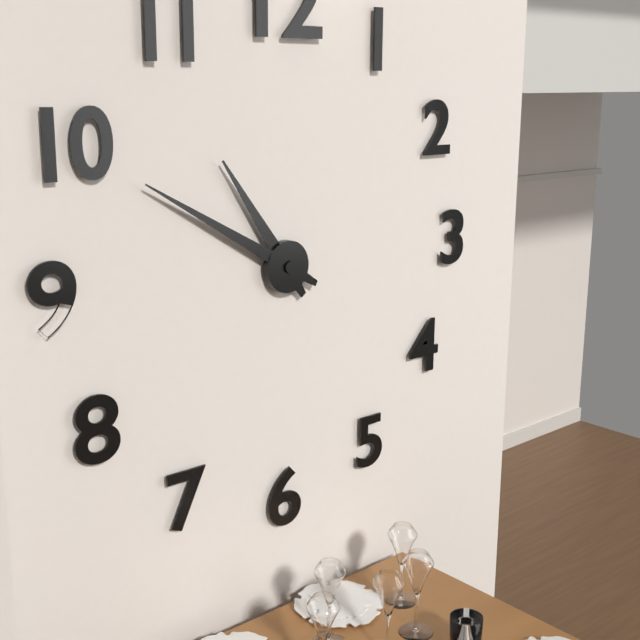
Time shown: 10:50
